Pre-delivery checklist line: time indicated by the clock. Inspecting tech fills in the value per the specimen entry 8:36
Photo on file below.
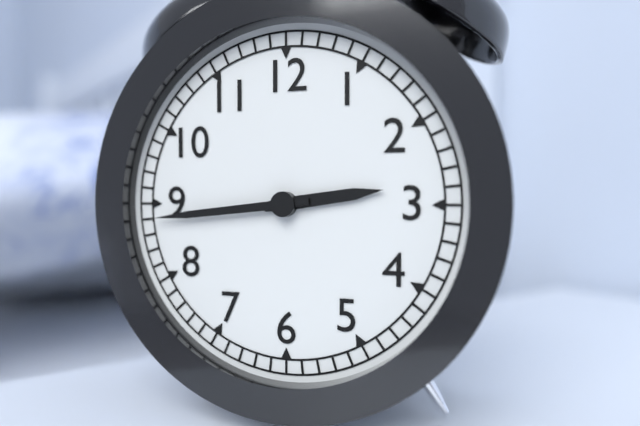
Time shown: 2:44
